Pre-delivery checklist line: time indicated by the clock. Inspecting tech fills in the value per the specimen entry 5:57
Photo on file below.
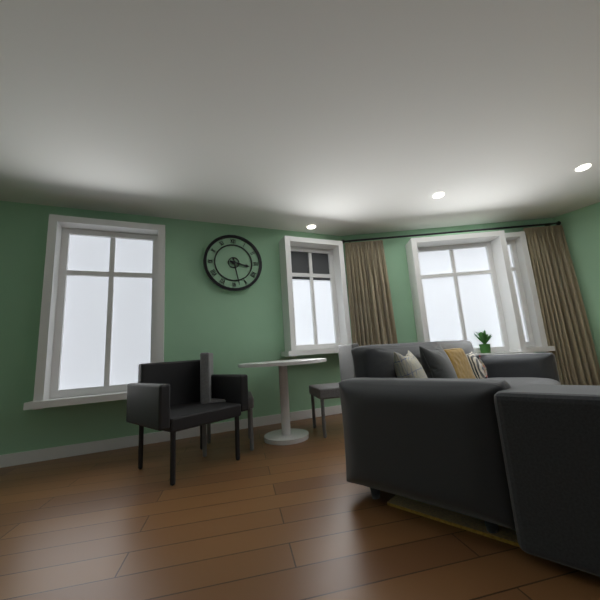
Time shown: 3:28
